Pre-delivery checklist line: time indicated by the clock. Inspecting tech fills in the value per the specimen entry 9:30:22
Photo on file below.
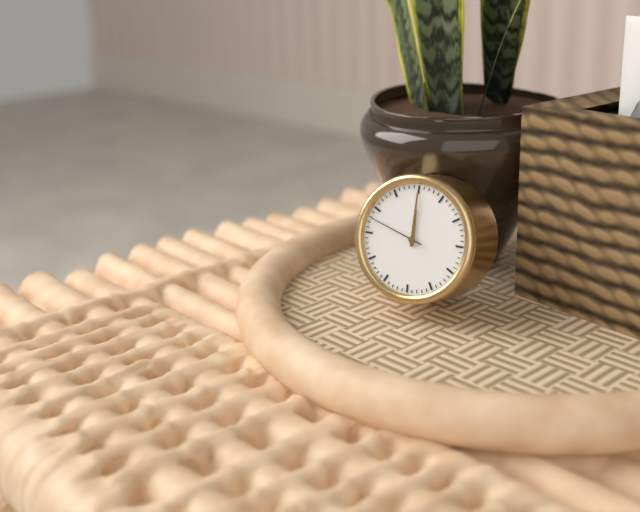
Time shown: 12:00:48
